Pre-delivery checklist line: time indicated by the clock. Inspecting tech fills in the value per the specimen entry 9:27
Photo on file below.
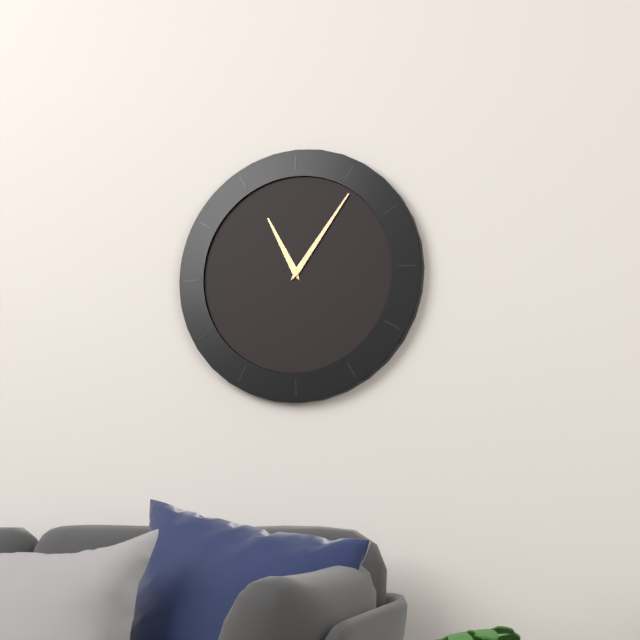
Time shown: 11:06
